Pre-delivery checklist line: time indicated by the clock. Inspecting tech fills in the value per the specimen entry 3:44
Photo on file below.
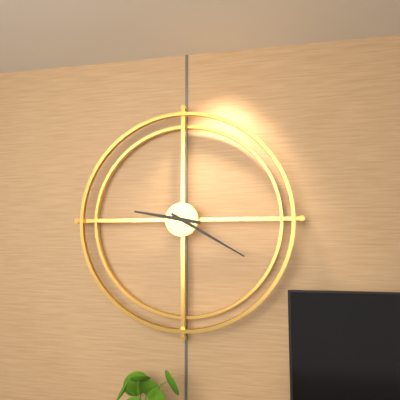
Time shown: 9:20
